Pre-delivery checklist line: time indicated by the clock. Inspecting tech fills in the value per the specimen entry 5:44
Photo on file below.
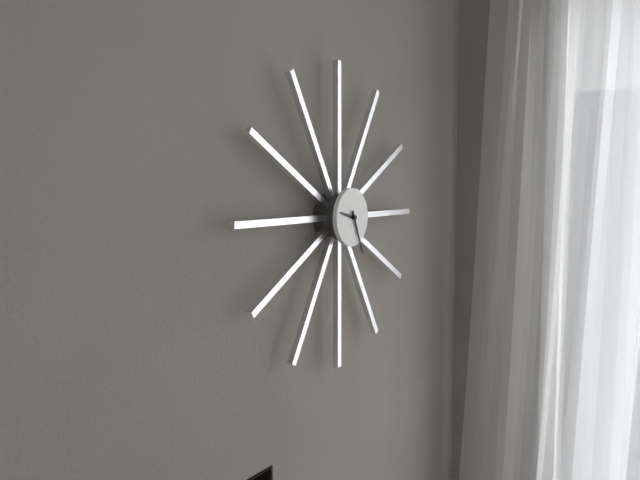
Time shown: 9:26
